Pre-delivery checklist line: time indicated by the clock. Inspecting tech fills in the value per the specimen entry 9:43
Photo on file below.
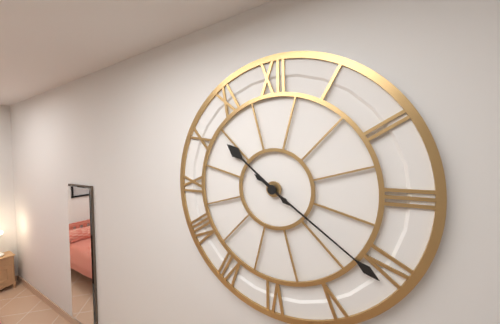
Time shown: 10:21
